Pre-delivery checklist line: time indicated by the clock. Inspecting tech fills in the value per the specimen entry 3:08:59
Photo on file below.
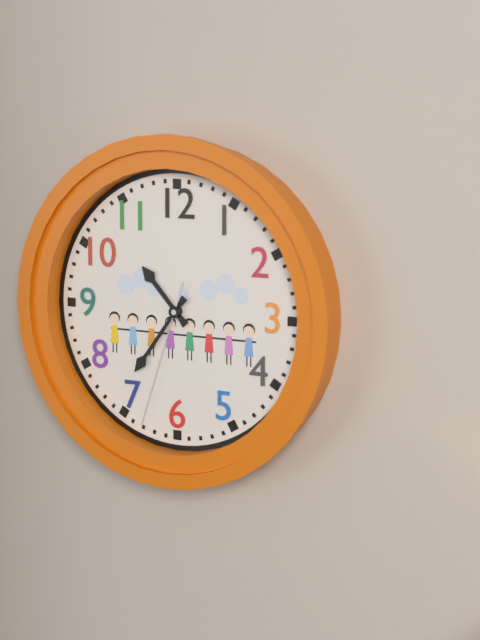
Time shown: 10:36:33
